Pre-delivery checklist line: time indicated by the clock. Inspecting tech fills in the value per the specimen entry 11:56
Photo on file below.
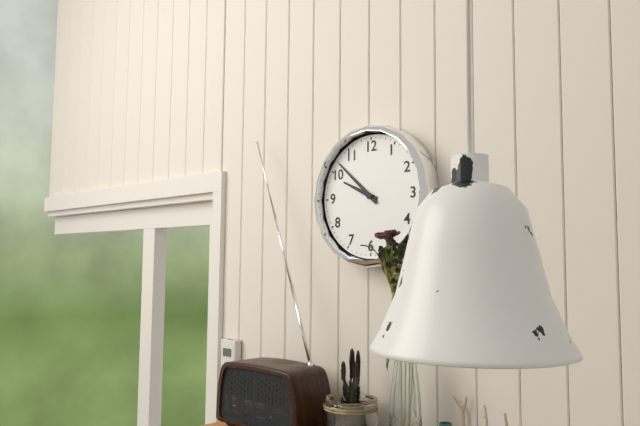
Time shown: 9:52
